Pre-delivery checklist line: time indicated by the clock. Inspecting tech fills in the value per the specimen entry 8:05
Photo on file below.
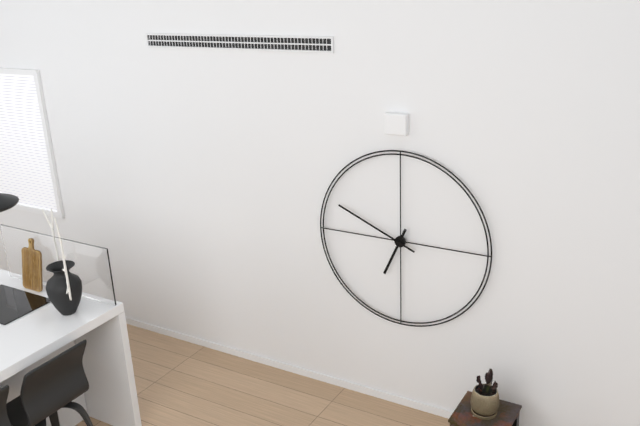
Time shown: 6:49
